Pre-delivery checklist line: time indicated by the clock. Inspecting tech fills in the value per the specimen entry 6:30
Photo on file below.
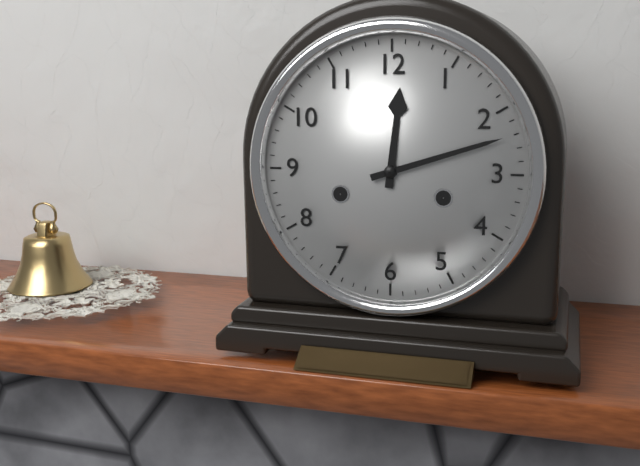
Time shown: 12:12
